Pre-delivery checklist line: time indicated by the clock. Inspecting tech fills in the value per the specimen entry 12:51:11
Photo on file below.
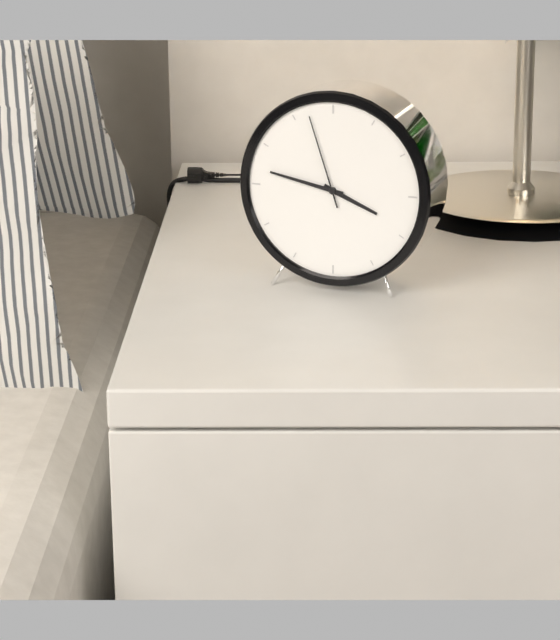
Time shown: 3:47:57
